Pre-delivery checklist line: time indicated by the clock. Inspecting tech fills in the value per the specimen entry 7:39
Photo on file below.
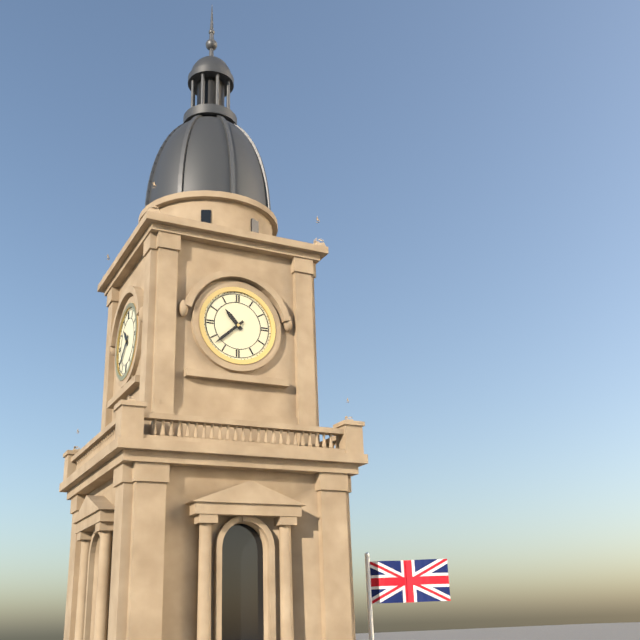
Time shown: 10:38
